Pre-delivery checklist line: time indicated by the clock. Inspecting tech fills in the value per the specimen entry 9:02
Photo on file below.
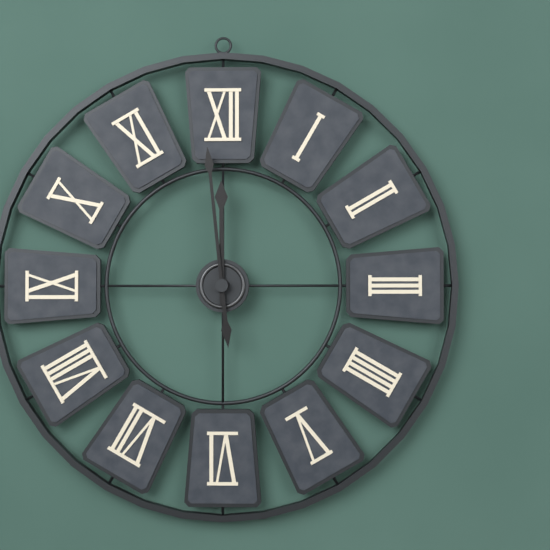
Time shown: 11:59
